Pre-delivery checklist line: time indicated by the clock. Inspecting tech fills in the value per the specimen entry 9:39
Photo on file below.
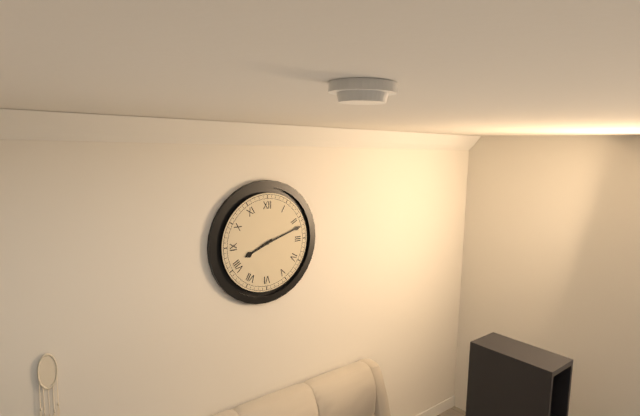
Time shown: 8:12
